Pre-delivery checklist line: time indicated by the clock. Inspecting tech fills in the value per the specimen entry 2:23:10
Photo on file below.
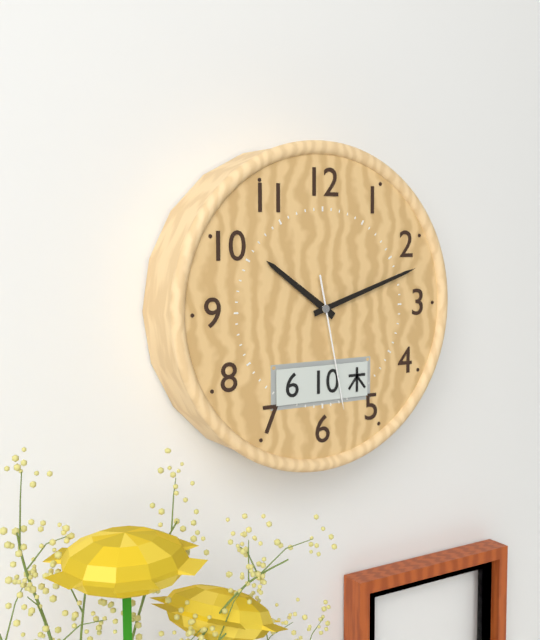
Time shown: 10:12:28
